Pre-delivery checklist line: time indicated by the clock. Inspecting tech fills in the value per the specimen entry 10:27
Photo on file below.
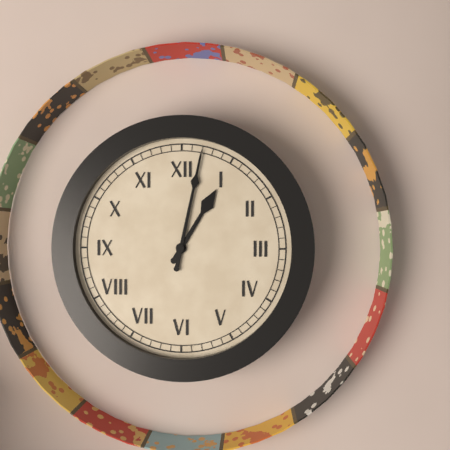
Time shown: 1:02
